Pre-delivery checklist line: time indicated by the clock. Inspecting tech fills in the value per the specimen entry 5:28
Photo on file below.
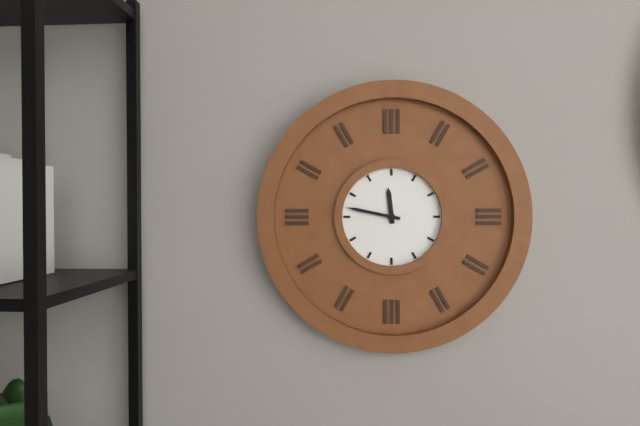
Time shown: 11:47
